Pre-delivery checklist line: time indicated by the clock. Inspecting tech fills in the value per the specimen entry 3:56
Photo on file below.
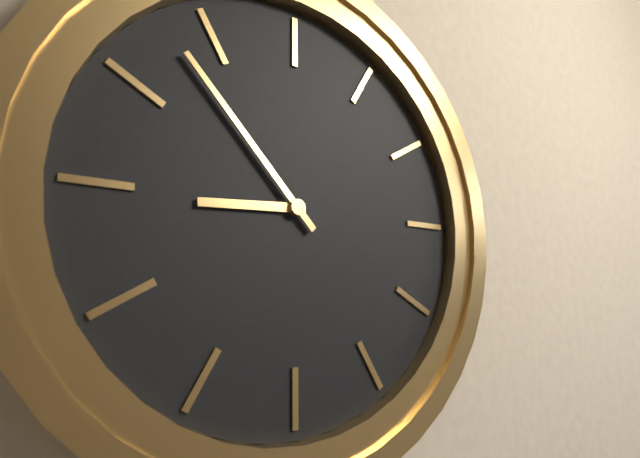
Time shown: 8:53
